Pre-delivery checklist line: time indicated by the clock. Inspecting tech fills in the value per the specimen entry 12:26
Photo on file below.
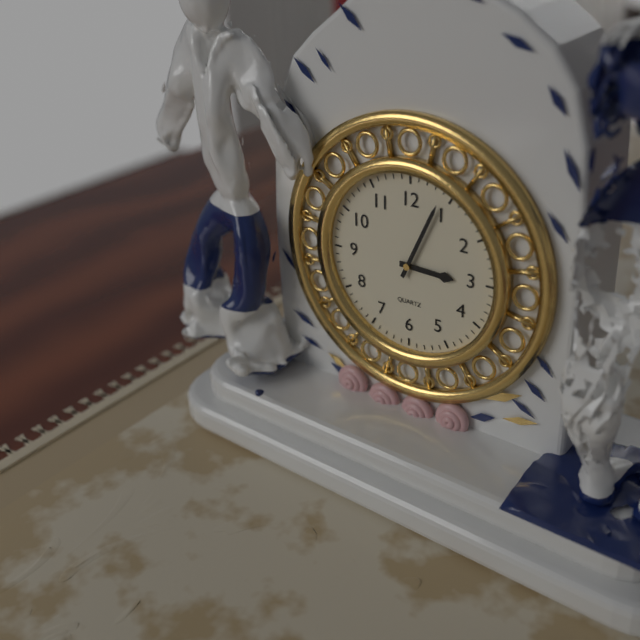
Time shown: 3:04
